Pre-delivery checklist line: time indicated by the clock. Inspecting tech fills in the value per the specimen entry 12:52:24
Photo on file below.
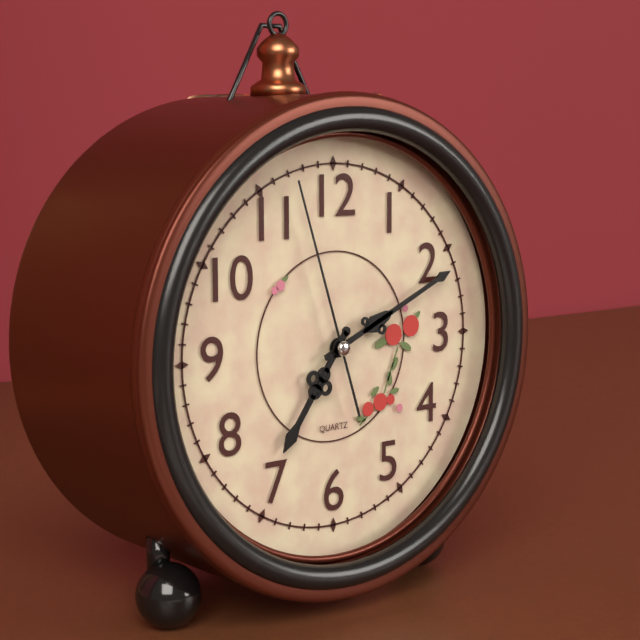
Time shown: 7:11:57
